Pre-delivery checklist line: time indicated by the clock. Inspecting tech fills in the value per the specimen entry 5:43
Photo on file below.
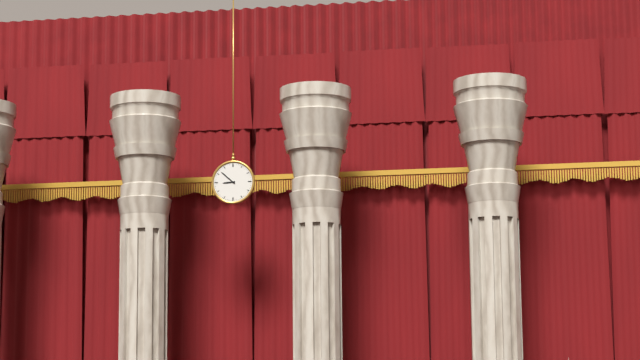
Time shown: 8:52
